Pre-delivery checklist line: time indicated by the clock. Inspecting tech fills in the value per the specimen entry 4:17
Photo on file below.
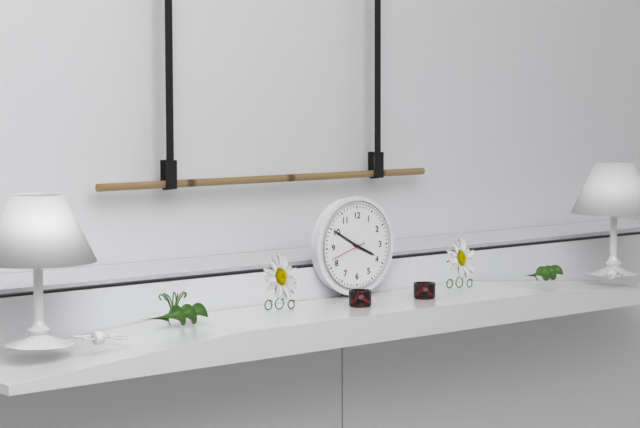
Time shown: 3:50
